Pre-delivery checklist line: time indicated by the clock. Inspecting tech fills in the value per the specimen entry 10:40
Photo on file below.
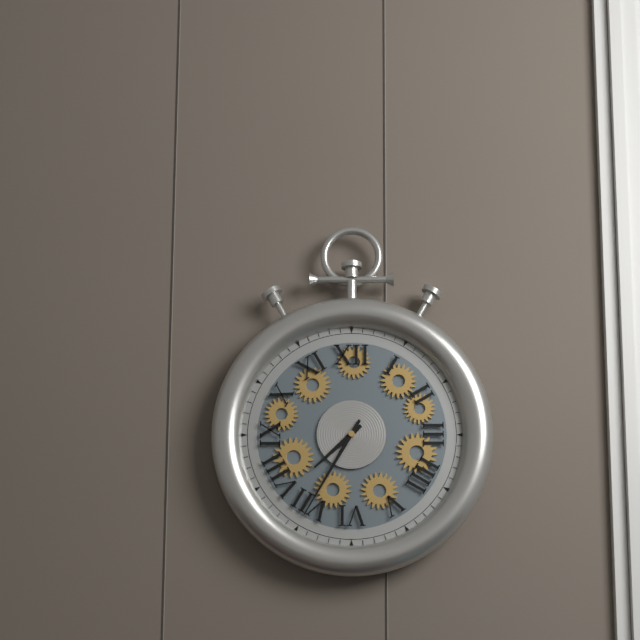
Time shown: 7:35
